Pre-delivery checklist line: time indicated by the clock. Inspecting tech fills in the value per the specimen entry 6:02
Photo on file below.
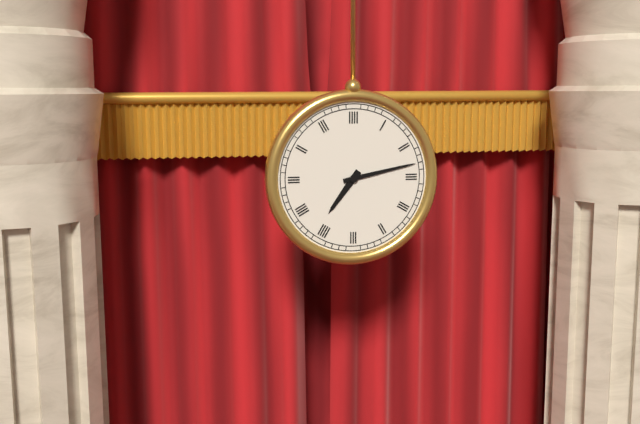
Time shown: 7:13
